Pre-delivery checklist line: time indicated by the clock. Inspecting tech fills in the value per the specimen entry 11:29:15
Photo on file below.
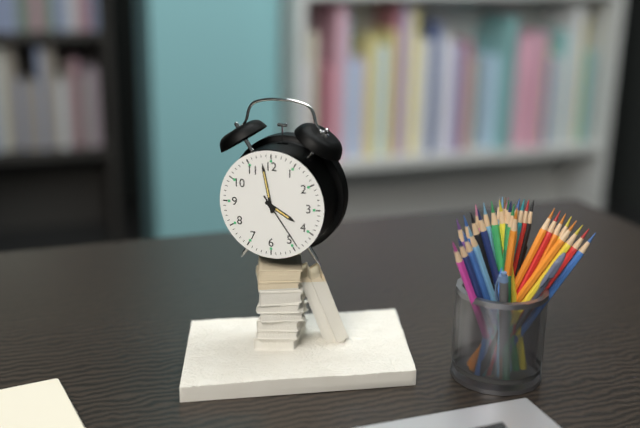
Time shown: 3:58:24
